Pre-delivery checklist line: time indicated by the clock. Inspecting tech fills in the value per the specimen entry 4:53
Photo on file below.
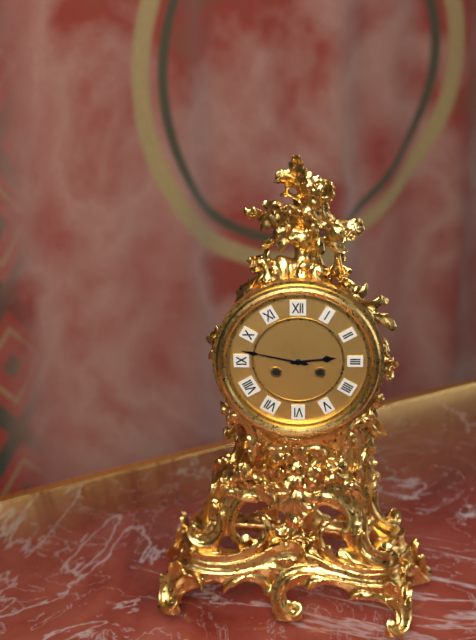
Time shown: 2:47
